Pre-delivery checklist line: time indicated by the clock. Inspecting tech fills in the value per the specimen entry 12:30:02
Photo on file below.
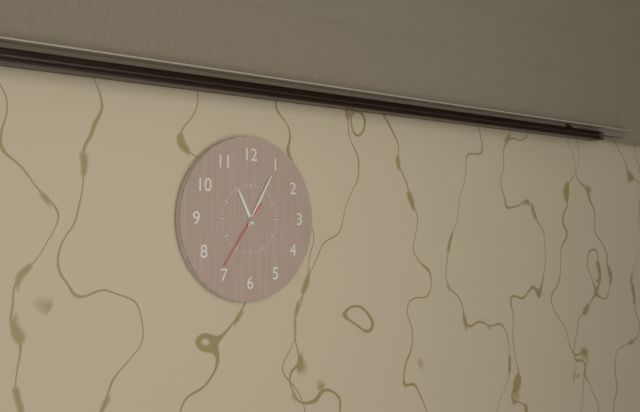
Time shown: 11:05:36
